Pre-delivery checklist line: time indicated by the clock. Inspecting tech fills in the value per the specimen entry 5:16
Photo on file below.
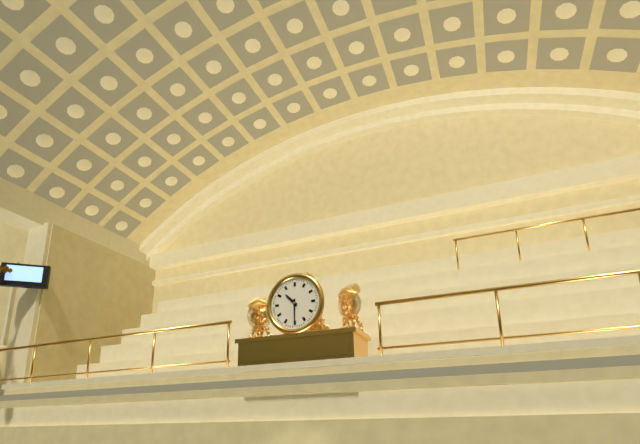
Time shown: 10:30
